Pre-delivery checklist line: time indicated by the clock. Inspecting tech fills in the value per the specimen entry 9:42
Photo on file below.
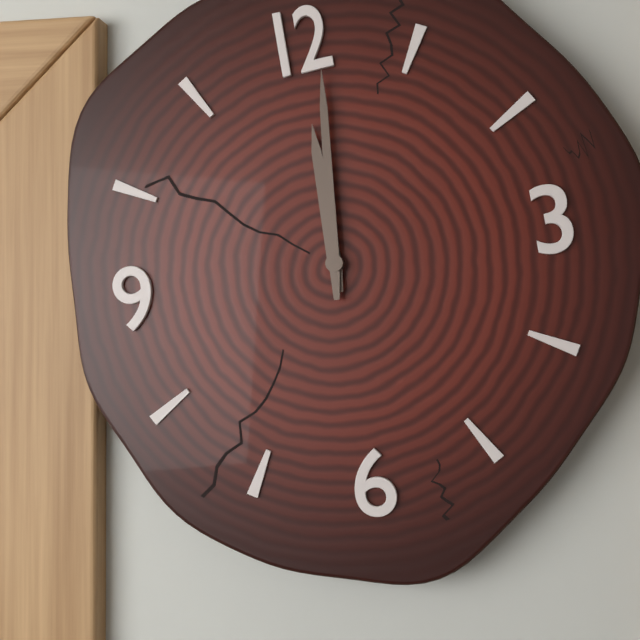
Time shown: 12:01
